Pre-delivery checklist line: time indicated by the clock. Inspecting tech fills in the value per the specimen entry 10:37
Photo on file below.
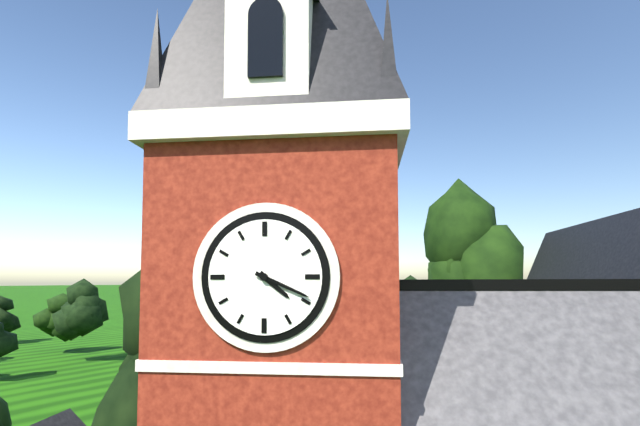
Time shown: 4:19
